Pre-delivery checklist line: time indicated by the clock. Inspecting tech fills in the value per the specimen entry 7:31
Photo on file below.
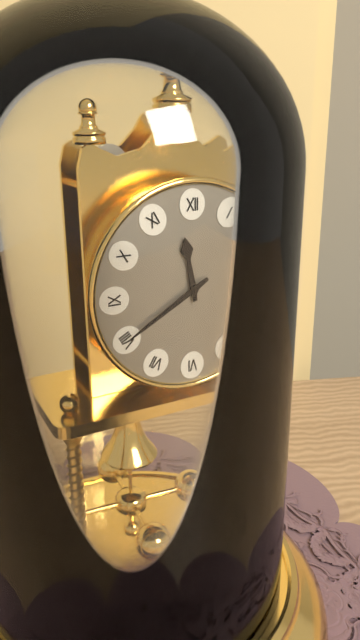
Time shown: 11:40
